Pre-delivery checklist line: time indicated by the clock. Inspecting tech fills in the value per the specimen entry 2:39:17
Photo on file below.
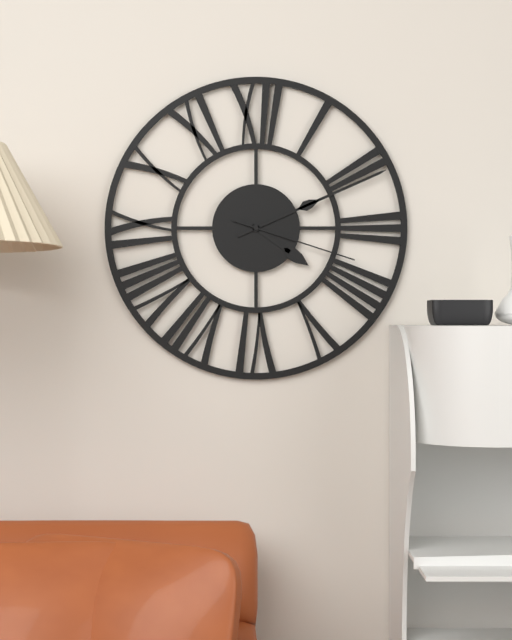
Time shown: 4:11:18
